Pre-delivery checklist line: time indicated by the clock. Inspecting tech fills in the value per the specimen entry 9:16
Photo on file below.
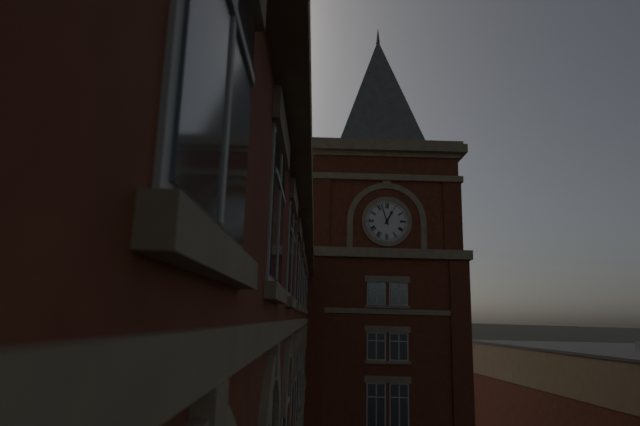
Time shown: 12:57
